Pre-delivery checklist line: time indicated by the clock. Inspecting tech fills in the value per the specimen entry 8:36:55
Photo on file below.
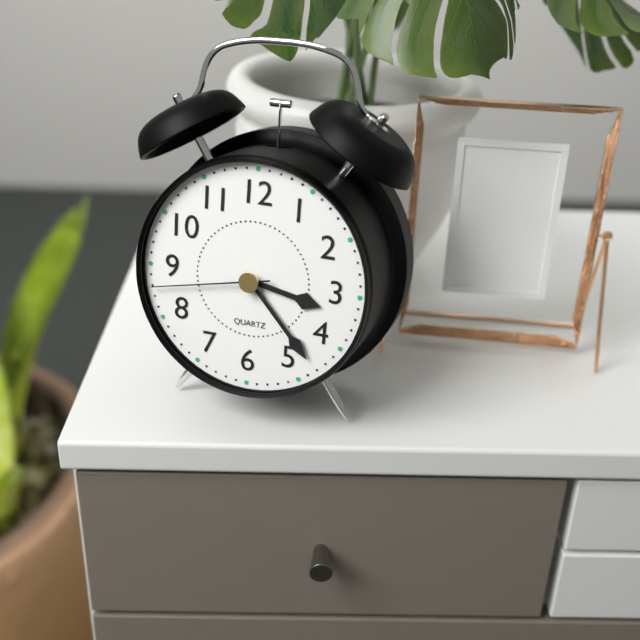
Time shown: 3:23:43
